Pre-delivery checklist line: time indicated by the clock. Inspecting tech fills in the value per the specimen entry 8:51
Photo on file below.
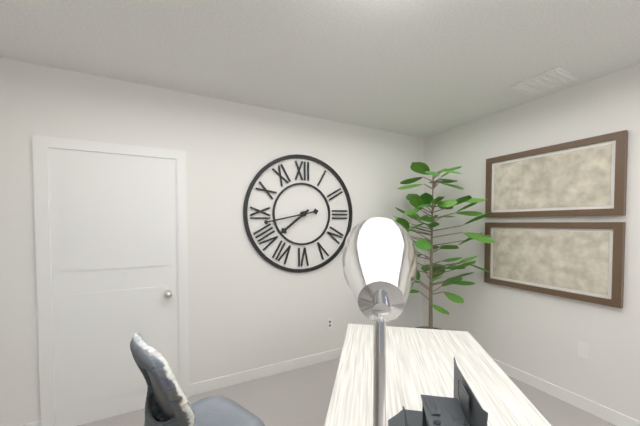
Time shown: 7:43
